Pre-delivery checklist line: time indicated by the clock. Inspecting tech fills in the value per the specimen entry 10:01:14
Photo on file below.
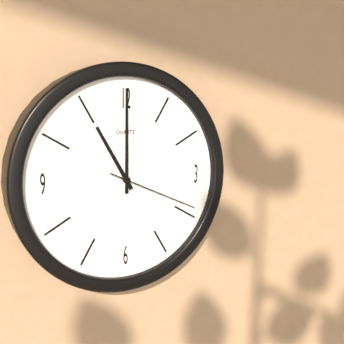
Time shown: 11:00:19
